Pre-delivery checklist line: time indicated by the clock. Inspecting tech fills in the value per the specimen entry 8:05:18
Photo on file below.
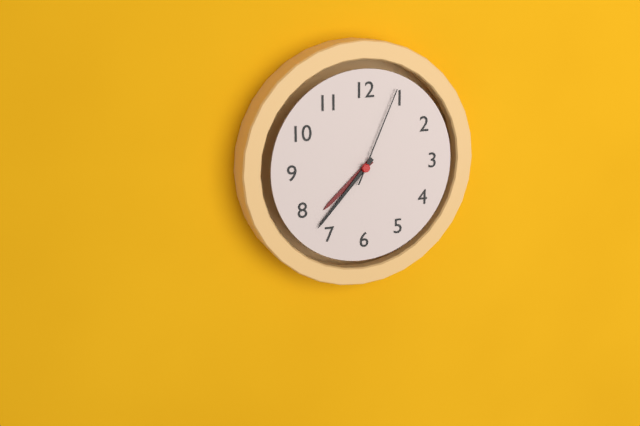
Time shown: 7:37:04
